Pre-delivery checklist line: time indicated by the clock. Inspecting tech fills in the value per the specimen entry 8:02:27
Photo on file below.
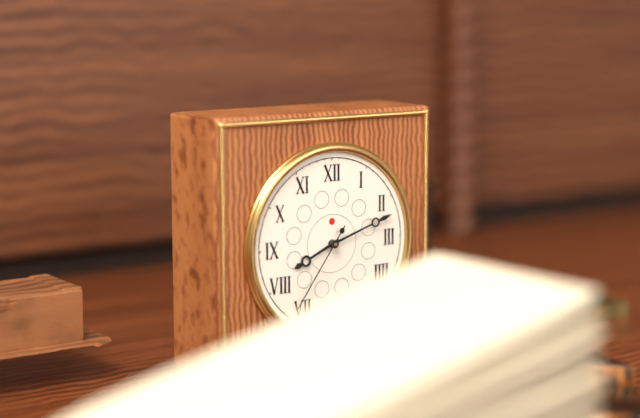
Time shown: 8:12:36
